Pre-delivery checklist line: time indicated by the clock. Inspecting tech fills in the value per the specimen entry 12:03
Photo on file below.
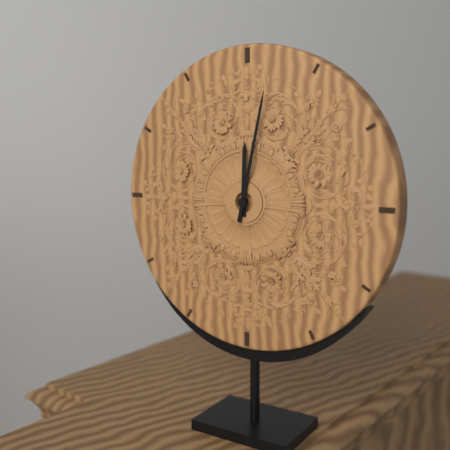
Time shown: 12:02
